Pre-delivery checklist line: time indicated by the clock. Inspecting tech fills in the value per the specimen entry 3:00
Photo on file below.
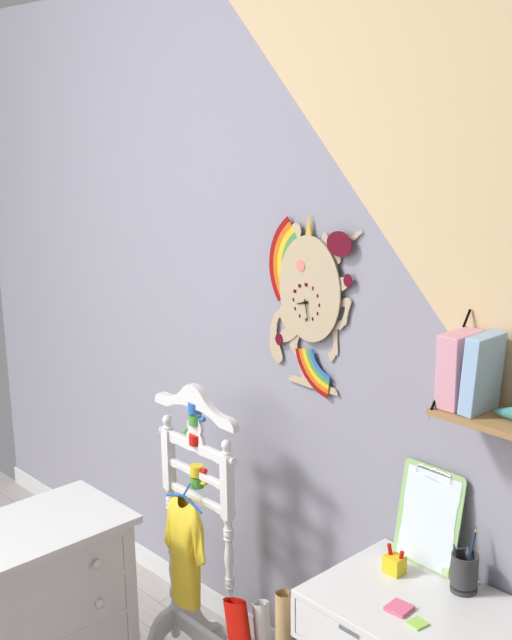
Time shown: 8:28
